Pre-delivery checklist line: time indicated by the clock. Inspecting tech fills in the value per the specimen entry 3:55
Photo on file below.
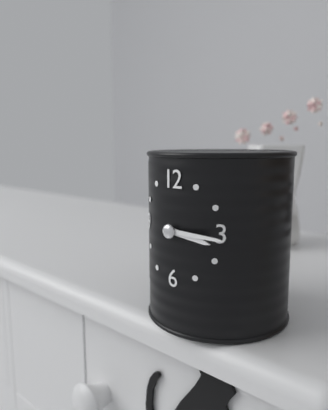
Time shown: 3:15
